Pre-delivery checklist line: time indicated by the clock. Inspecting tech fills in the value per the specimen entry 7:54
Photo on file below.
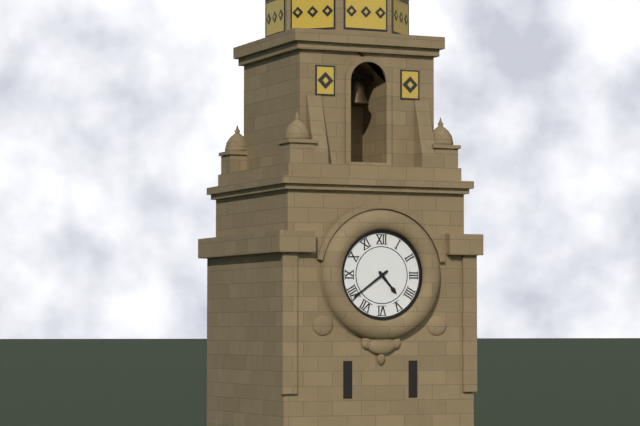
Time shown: 4:39
